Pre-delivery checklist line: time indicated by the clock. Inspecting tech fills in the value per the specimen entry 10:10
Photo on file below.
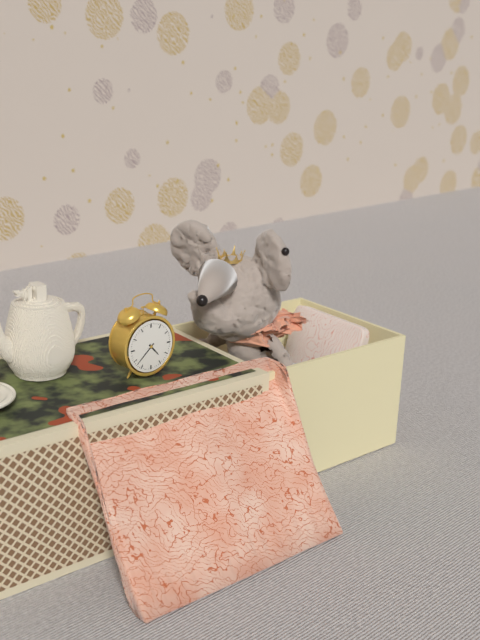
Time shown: 4:38
